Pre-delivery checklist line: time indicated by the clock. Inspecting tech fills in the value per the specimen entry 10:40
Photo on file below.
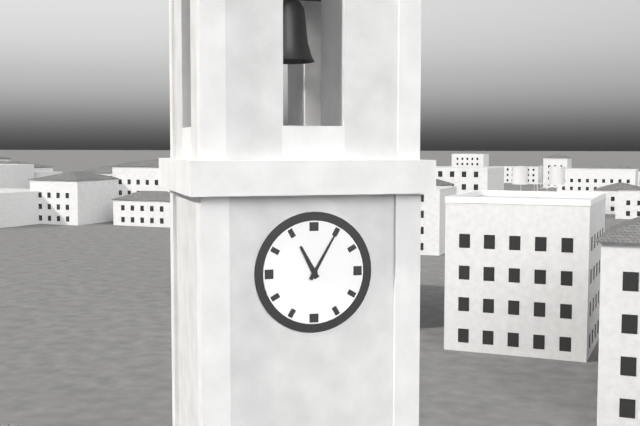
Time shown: 11:05
